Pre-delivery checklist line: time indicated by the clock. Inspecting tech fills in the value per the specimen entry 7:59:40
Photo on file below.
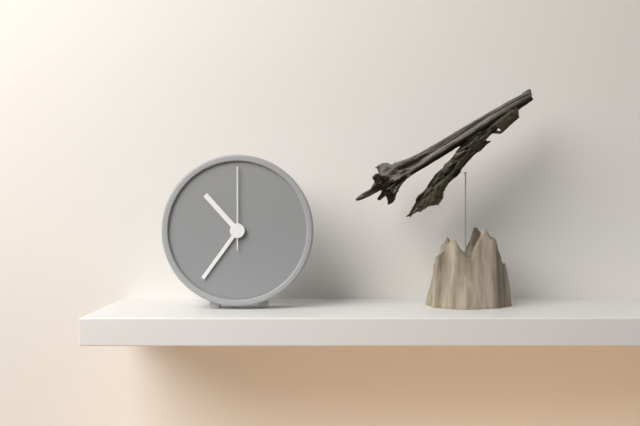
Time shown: 10:36:00
